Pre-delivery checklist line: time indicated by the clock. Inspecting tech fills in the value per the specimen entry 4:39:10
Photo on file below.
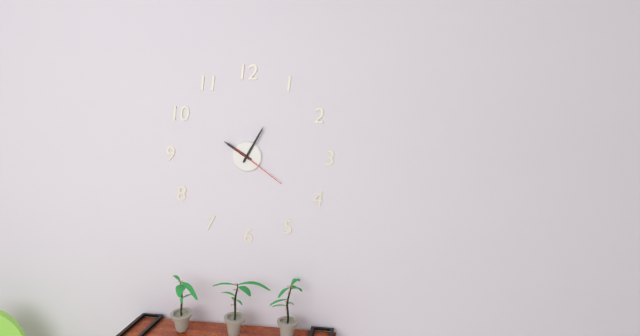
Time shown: 10:05:21
